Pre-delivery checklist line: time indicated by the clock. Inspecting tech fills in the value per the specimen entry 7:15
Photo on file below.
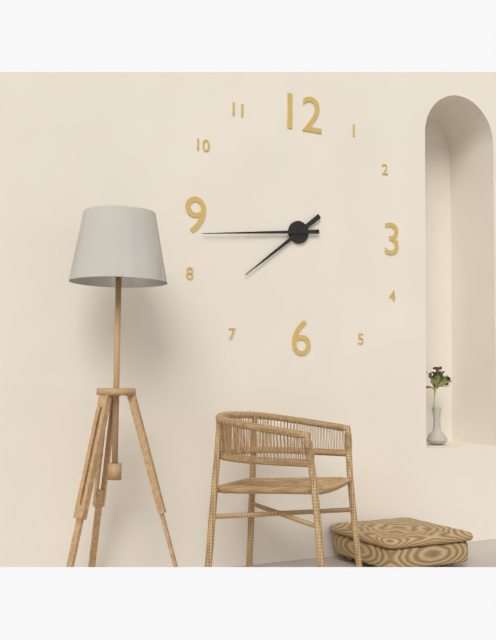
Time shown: 7:44
